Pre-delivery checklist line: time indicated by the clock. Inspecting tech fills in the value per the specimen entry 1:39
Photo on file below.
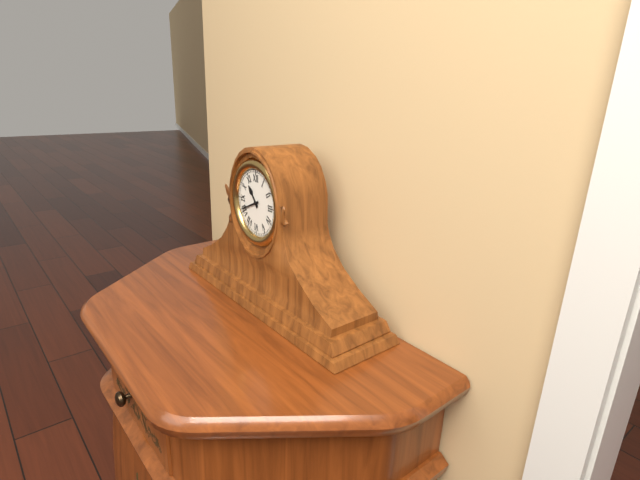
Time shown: 10:41
